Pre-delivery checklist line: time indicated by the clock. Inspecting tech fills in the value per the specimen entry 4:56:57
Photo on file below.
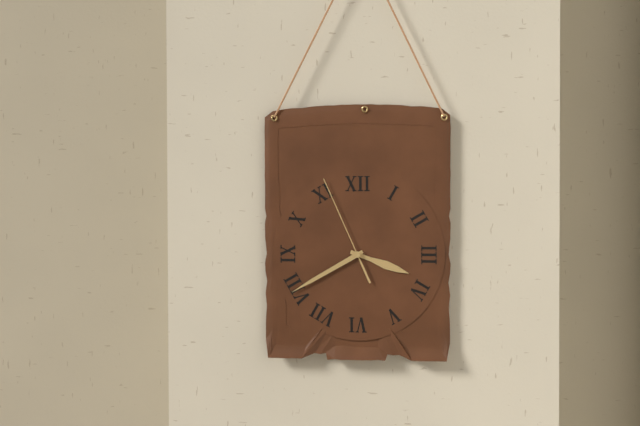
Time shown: 3:40:56
